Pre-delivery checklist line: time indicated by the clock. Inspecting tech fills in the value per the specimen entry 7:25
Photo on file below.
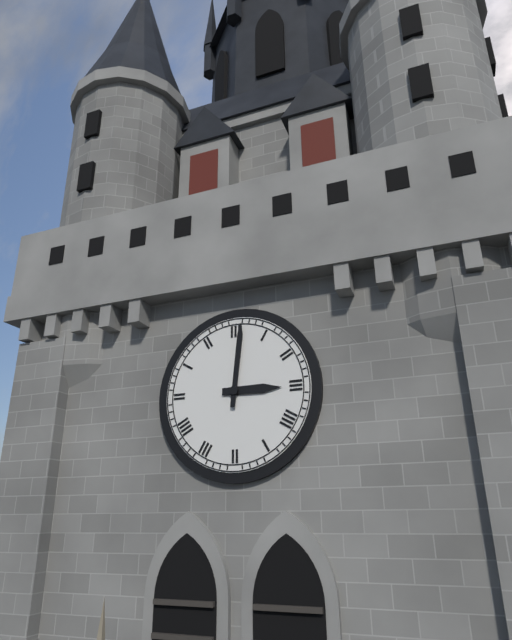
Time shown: 3:01
